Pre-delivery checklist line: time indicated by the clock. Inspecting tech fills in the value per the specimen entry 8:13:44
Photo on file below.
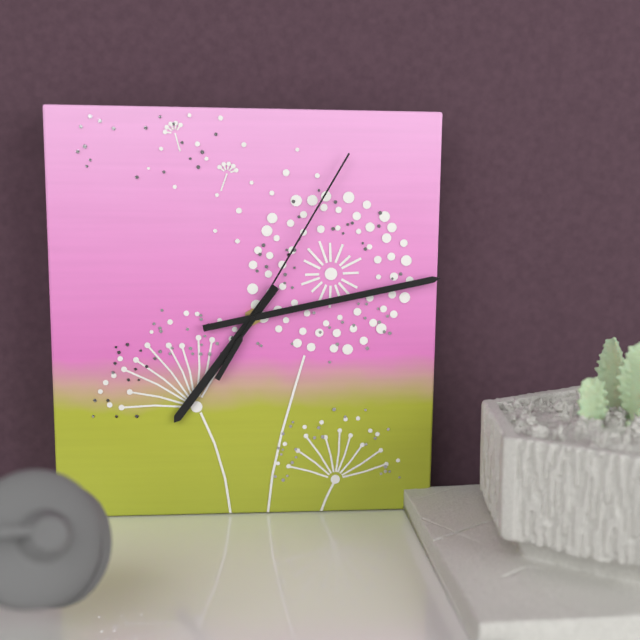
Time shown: 7:13:05
